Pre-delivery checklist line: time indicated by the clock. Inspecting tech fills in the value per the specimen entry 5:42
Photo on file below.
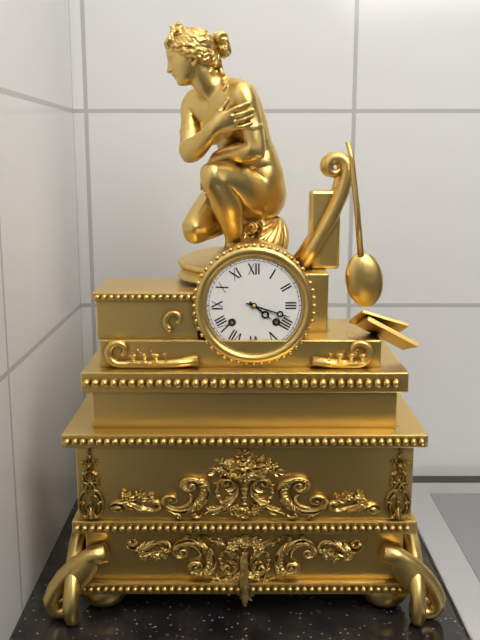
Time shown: 4:18
